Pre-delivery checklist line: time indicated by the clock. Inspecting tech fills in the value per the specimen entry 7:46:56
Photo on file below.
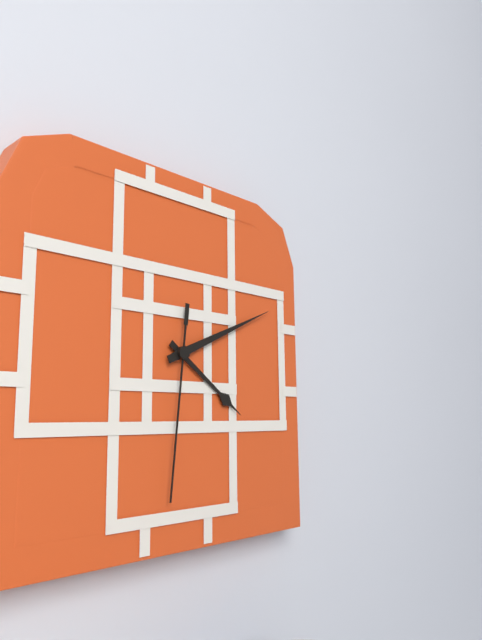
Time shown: 4:11:31
